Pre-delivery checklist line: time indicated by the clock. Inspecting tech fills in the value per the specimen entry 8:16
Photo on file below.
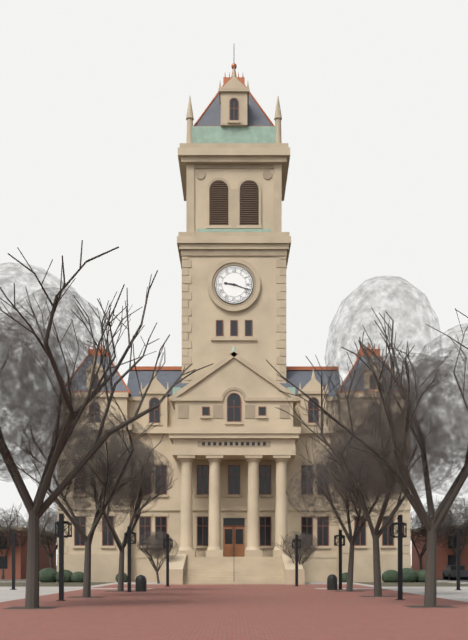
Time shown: 9:18
